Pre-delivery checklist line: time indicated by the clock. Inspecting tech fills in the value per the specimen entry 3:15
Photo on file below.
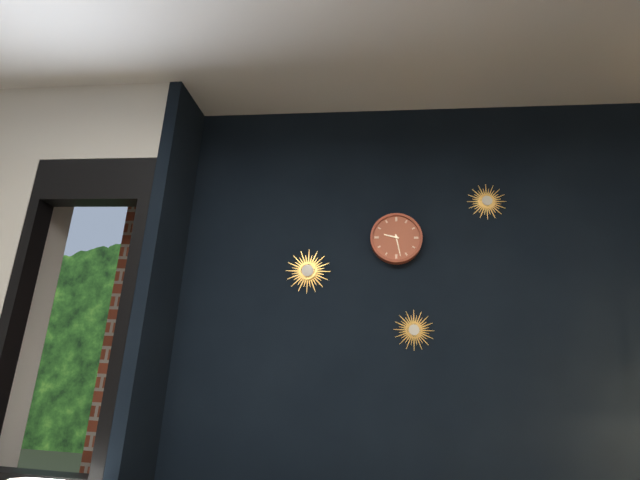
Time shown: 9:28
